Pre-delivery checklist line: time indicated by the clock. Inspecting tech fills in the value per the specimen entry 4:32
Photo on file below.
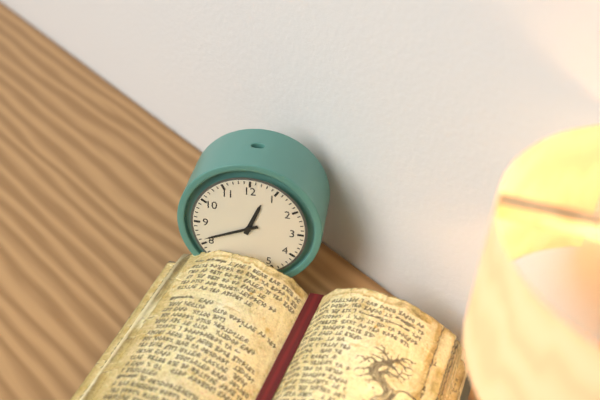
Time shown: 12:41
